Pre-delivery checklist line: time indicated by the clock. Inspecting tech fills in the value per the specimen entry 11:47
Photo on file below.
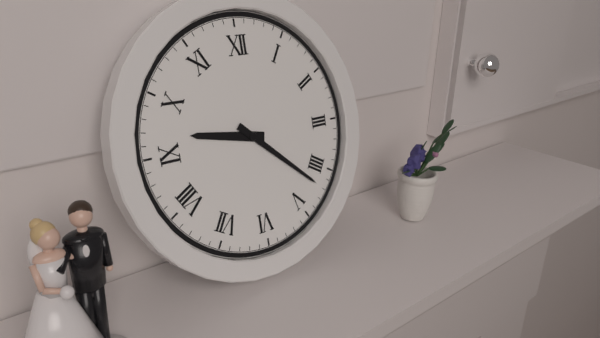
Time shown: 9:22
